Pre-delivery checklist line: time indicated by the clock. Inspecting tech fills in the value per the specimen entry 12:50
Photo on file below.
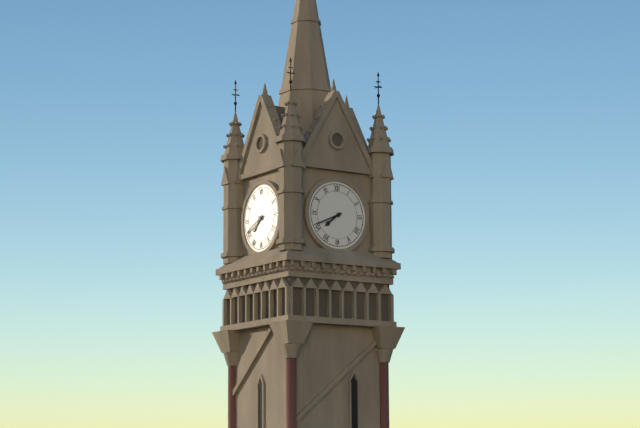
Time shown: 7:41
